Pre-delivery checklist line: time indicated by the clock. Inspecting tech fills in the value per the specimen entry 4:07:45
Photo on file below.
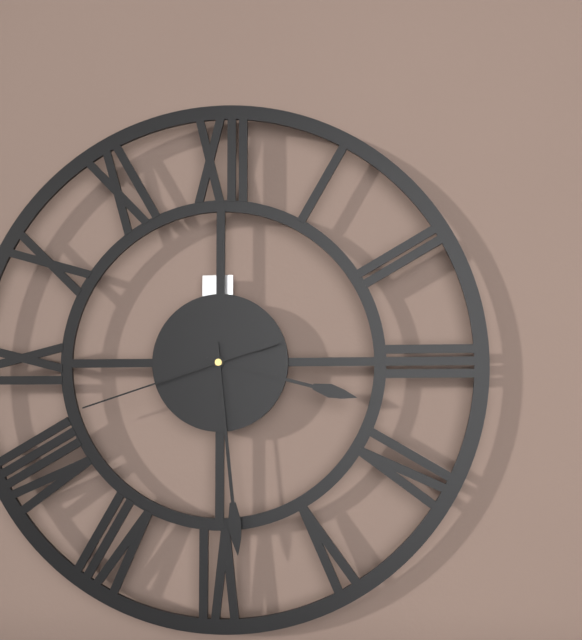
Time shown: 3:29:42
